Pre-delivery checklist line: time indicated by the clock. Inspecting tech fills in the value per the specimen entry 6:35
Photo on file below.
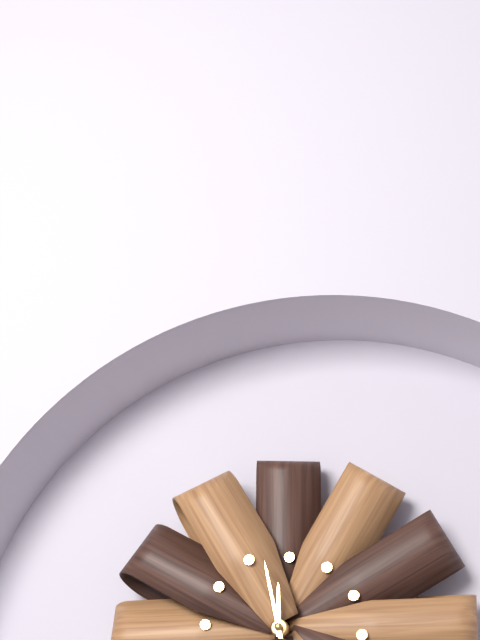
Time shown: 11:58
